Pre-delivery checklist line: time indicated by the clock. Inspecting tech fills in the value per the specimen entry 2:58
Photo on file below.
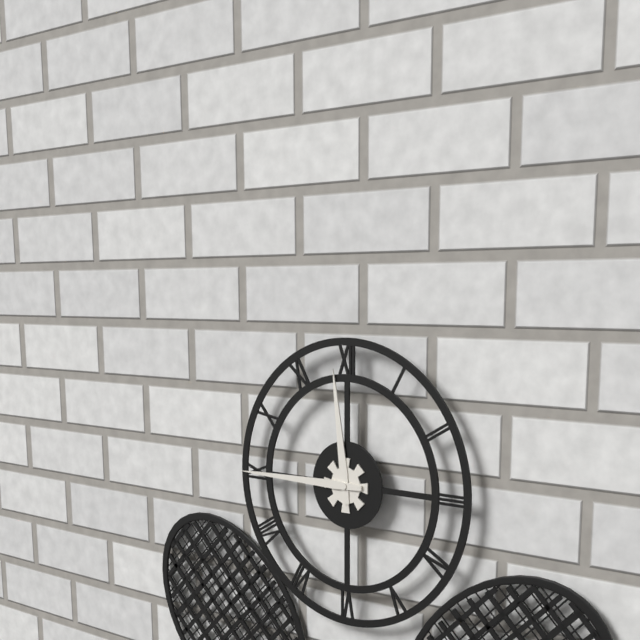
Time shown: 11:45
